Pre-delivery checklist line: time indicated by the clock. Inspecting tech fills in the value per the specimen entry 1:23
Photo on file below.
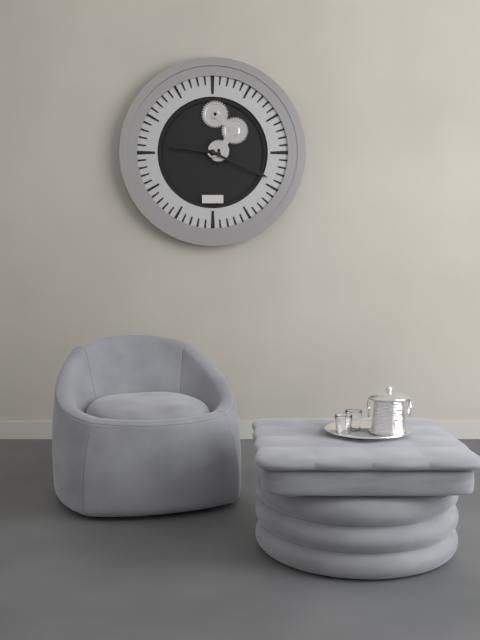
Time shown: 9:19
